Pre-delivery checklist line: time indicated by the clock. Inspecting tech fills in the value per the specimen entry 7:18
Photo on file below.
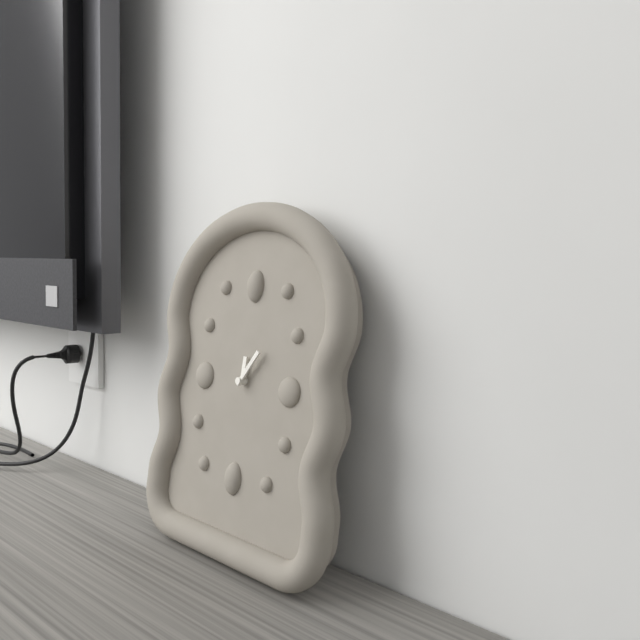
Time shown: 12:06
